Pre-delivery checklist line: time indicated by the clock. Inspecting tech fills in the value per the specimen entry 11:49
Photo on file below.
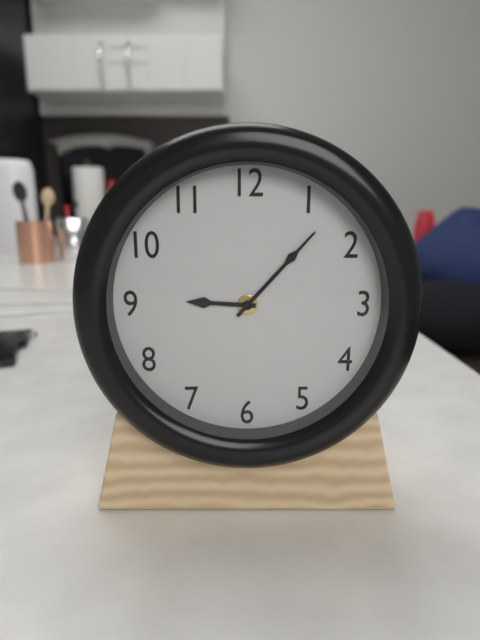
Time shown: 9:07
